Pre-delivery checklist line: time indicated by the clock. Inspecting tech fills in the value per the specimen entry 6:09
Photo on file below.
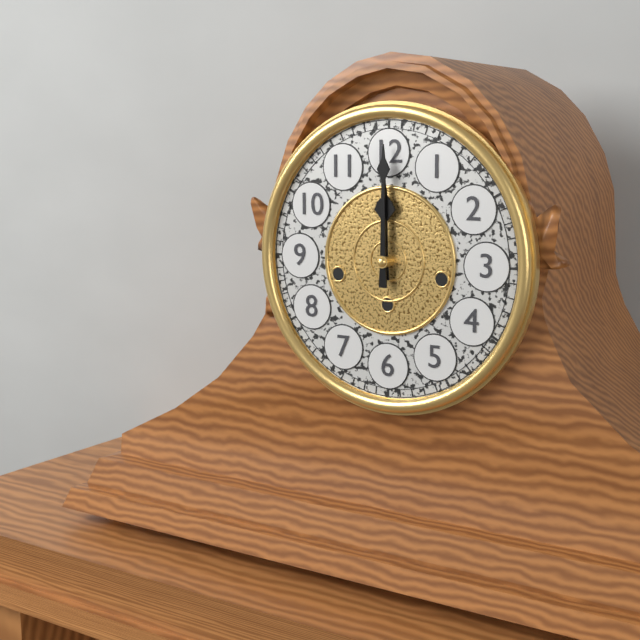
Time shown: 12:00
